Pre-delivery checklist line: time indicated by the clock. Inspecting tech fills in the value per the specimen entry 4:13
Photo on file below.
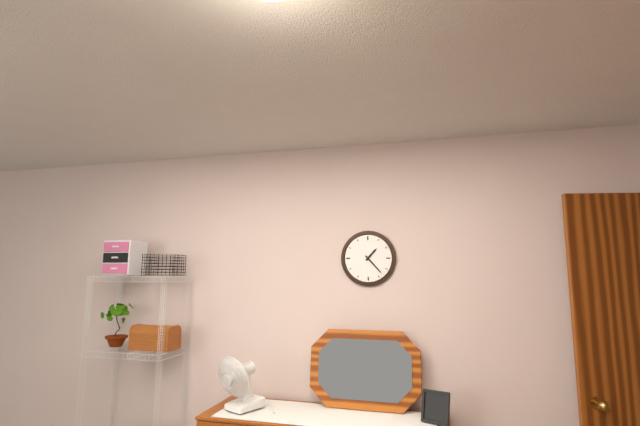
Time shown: 1:23
